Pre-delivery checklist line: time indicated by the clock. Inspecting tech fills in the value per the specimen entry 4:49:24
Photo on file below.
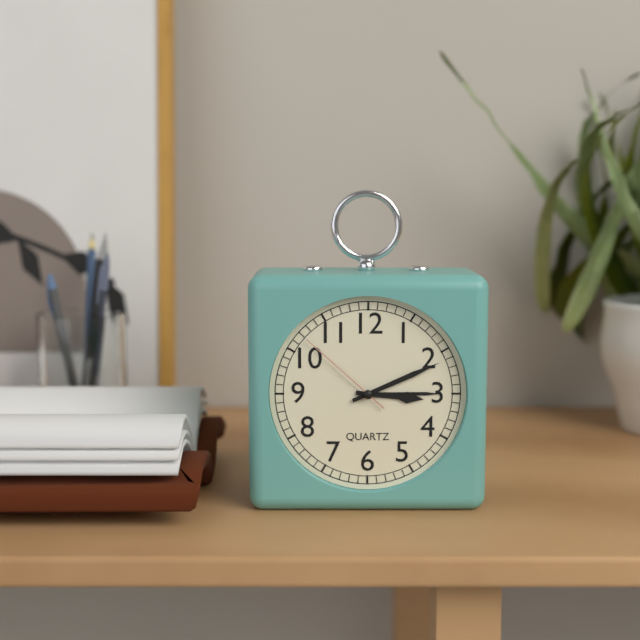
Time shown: 3:11:52
